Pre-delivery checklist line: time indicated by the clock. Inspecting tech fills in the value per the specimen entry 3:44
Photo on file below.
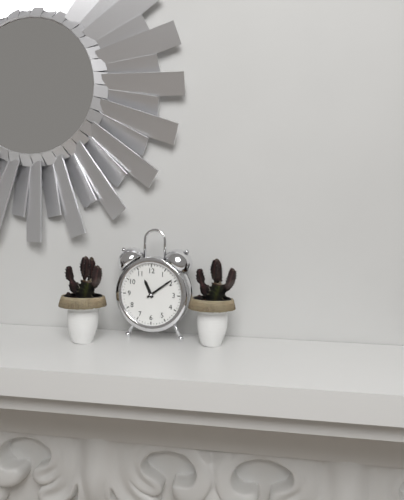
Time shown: 11:09
